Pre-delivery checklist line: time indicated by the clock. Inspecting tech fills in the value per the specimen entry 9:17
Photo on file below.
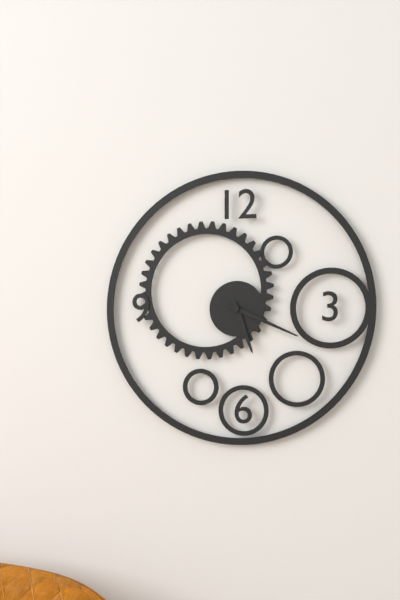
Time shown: 5:19
